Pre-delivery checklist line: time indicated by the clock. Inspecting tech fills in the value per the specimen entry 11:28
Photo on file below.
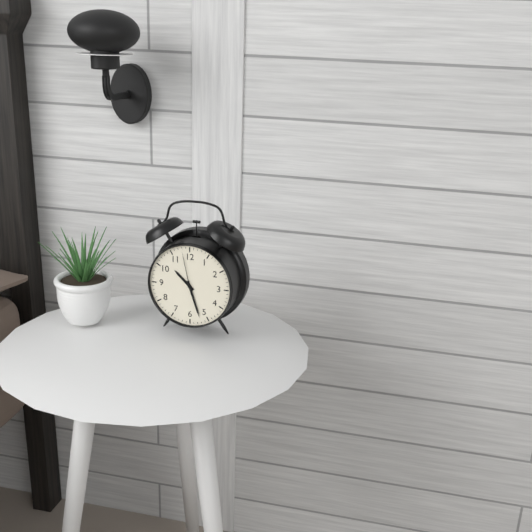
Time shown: 10:27
